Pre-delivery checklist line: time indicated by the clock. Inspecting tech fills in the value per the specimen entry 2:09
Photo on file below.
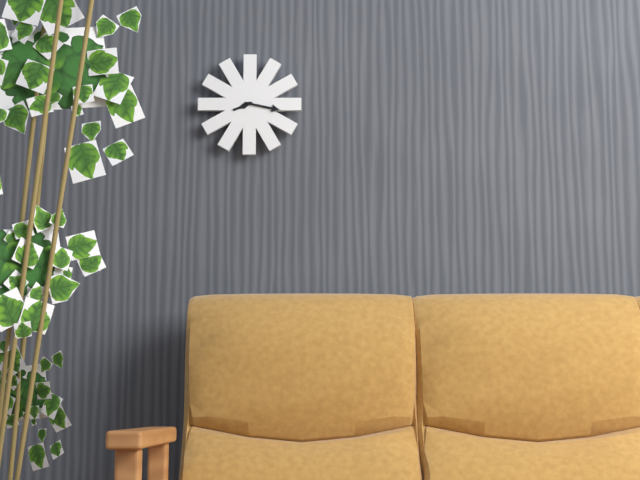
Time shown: 8:17
